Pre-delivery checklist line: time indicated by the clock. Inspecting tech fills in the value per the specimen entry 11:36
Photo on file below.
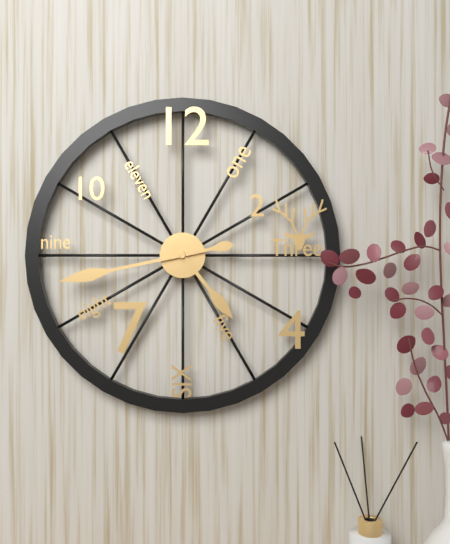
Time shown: 4:43
